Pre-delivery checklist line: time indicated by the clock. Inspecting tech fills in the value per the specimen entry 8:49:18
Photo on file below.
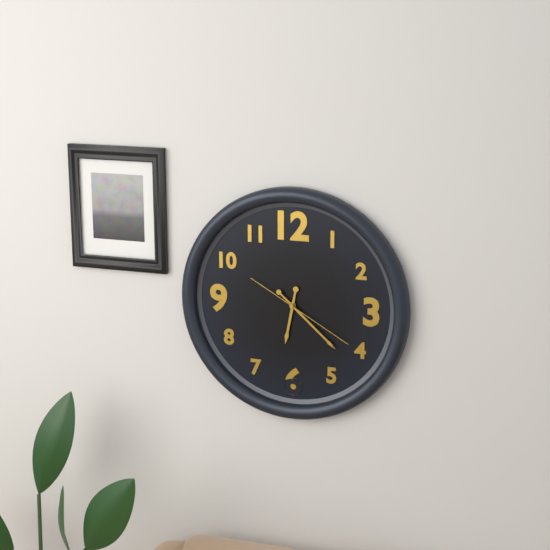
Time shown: 6:22:20
